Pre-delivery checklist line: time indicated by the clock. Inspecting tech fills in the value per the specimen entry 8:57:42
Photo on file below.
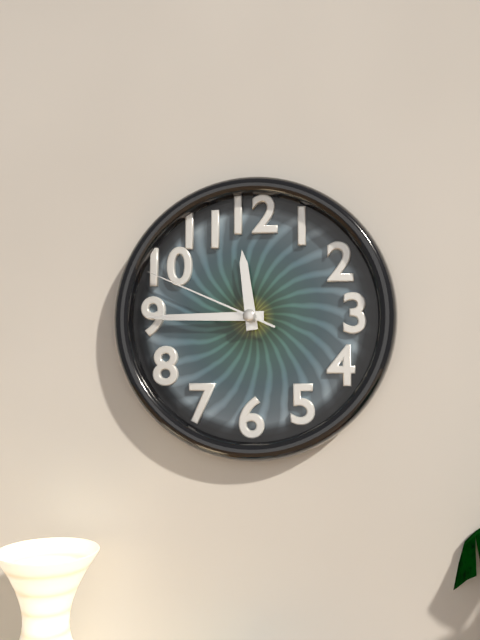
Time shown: 11:45:49
